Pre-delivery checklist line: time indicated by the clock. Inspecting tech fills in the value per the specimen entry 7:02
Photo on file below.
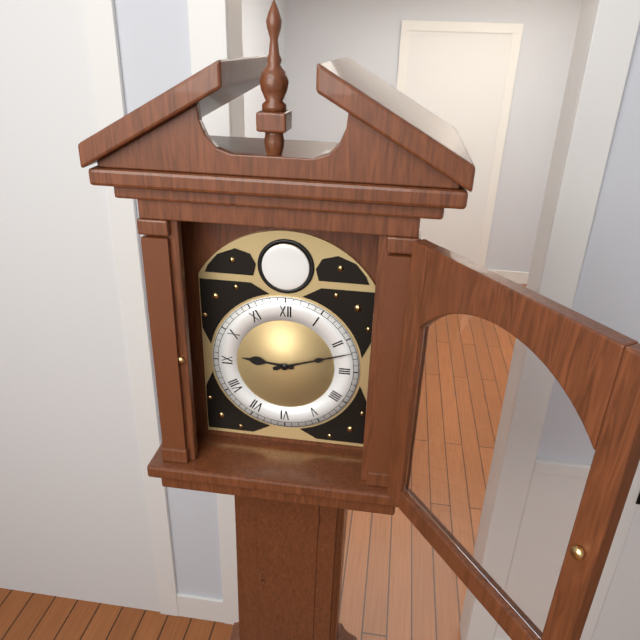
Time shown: 9:12
